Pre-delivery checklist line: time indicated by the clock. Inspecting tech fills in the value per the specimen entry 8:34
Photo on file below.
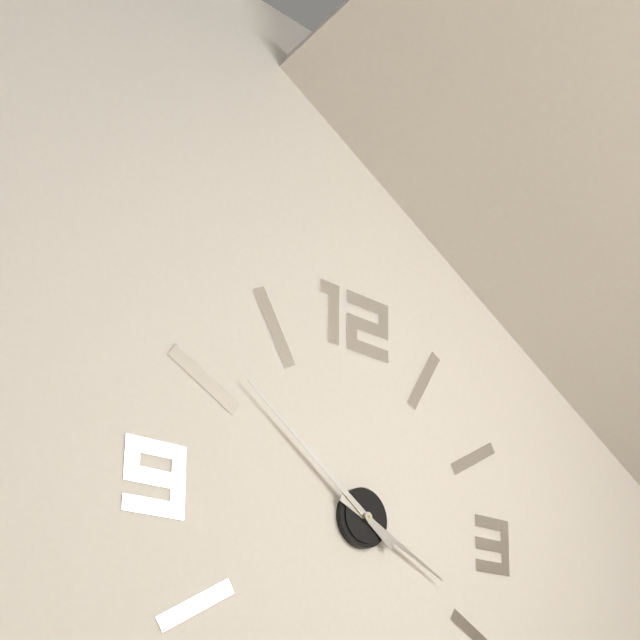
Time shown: 3:51
